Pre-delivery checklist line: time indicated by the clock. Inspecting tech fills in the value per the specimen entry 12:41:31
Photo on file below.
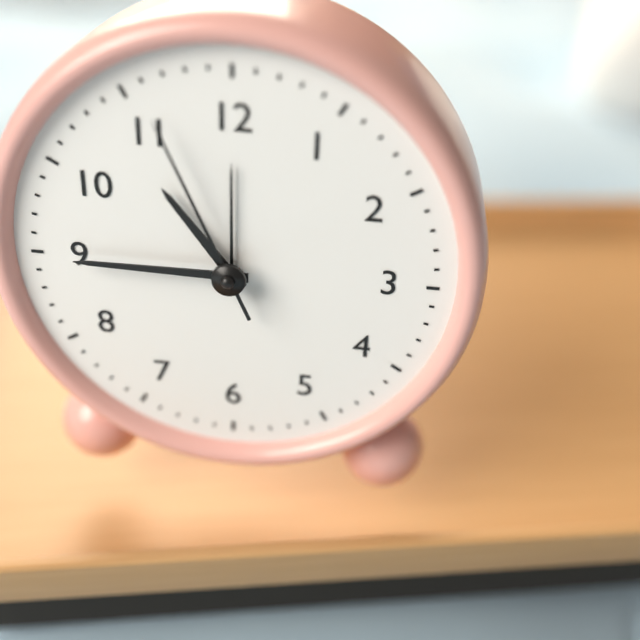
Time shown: 10:45:56
